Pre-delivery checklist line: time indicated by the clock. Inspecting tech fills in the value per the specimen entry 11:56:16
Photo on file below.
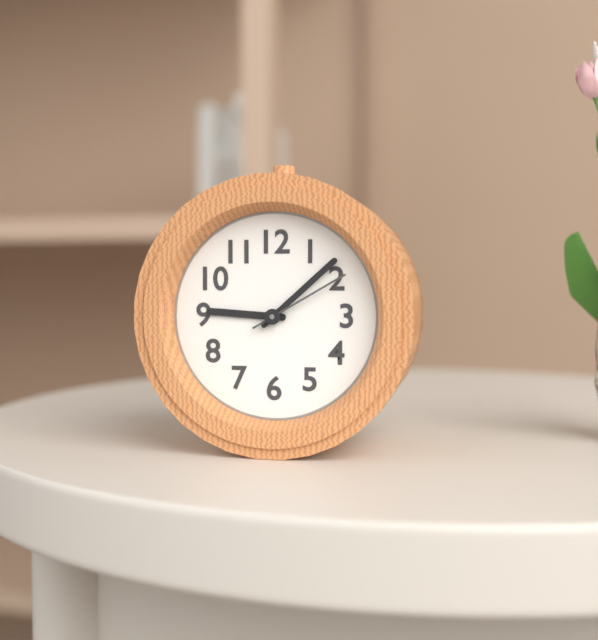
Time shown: 9:08:10
